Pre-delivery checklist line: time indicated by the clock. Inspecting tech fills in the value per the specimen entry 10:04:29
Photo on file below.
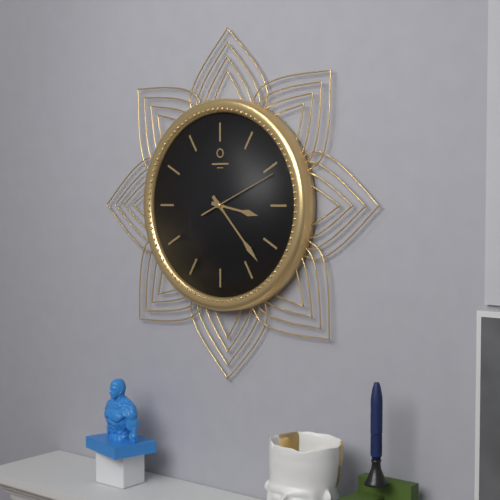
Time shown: 3:23:11
